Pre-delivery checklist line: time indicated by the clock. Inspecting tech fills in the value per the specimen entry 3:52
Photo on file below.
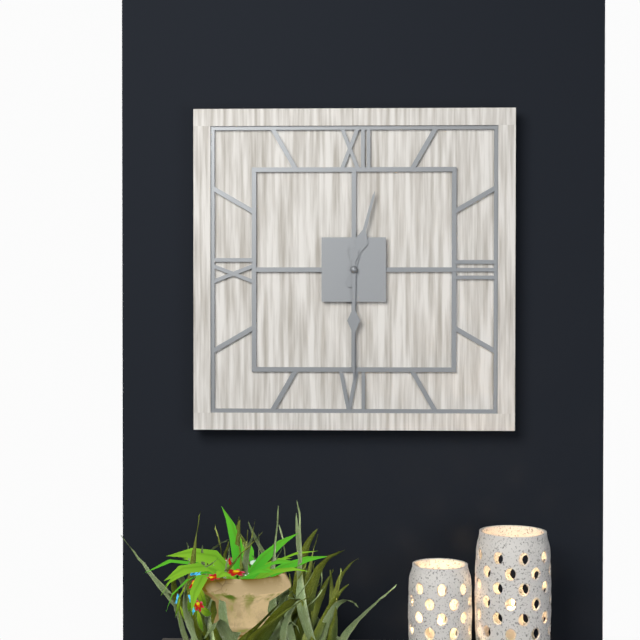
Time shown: 12:30
